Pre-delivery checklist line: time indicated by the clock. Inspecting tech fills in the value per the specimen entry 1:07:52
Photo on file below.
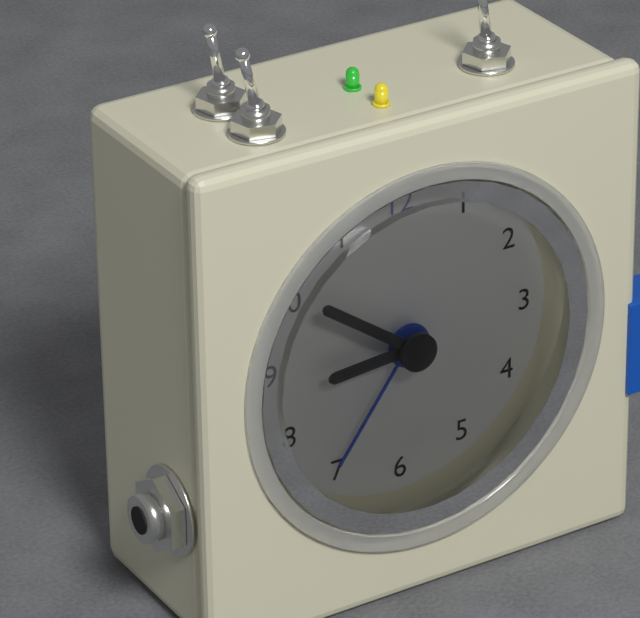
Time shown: 8:51:36
